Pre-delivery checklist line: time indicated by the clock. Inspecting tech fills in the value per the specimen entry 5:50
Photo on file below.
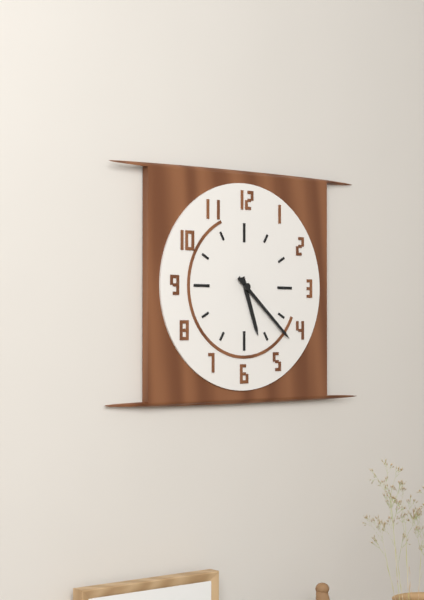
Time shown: 5:22
